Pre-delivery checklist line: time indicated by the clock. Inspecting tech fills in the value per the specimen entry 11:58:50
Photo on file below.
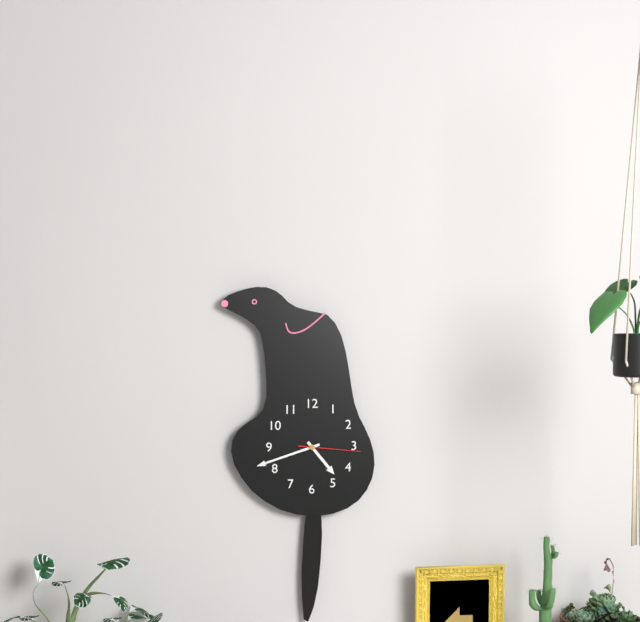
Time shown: 4:42:16
